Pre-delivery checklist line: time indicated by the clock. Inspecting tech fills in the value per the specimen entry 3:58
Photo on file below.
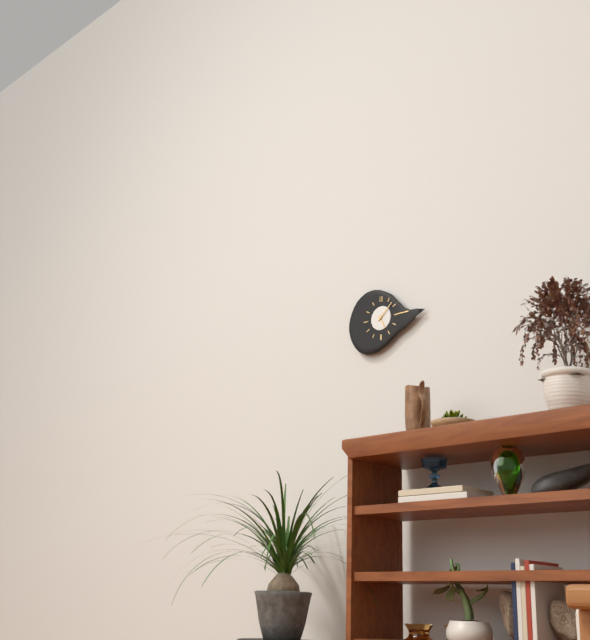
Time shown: 5:08
